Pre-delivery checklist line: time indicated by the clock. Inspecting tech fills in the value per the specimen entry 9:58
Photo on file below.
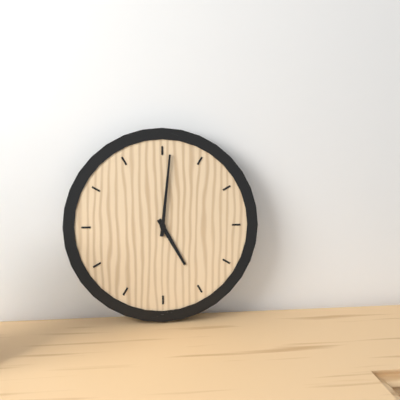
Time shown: 5:01
